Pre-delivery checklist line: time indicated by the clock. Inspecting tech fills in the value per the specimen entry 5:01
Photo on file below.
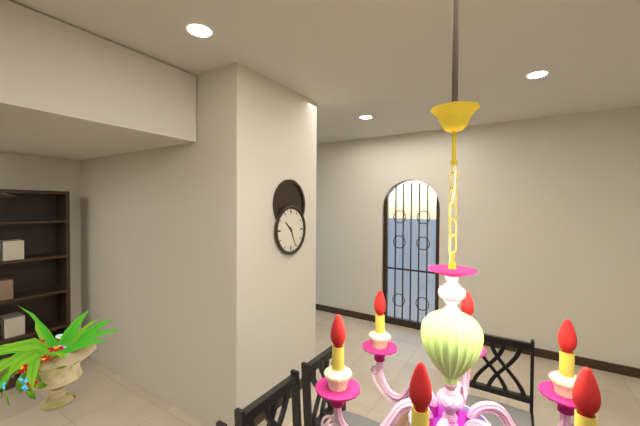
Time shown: 10:26
